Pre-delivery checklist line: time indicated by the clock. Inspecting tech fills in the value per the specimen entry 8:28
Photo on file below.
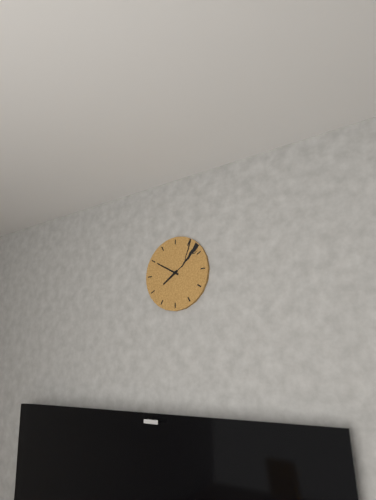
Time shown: 7:50
